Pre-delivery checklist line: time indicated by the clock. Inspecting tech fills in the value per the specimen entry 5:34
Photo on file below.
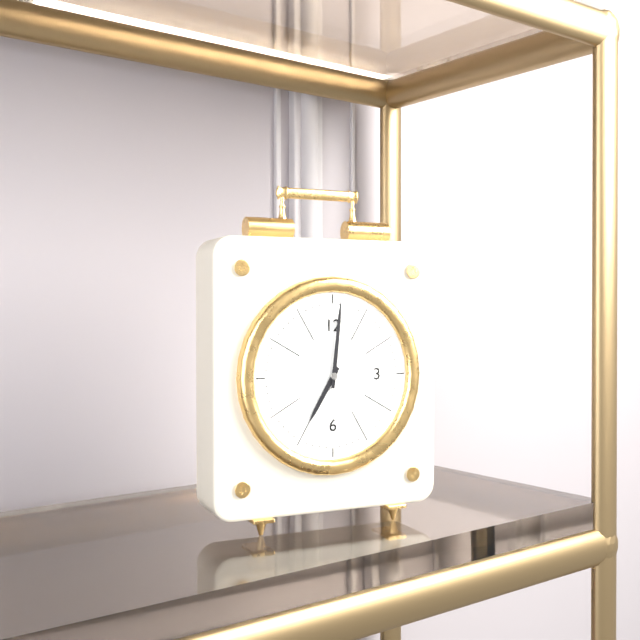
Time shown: 7:01
